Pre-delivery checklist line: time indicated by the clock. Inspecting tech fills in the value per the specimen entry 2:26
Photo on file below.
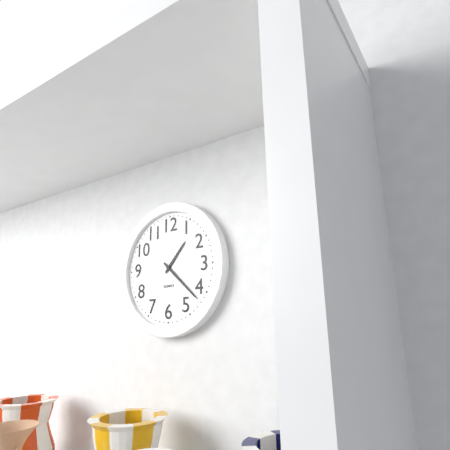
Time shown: 1:22
